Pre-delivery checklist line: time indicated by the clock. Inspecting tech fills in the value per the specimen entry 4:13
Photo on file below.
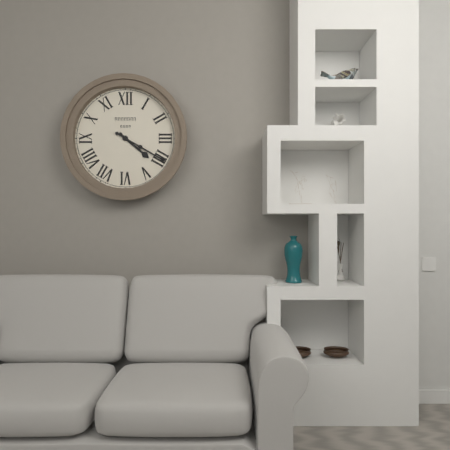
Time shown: 4:20
